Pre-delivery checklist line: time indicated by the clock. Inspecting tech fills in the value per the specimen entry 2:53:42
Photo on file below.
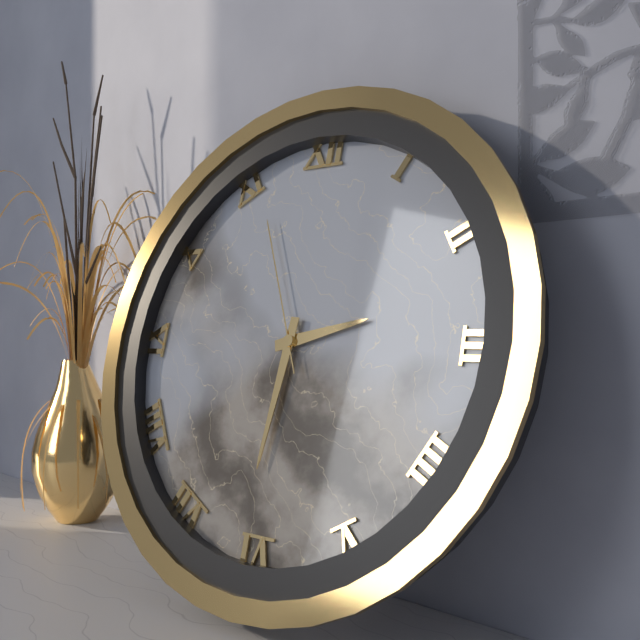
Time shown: 2:31:56
